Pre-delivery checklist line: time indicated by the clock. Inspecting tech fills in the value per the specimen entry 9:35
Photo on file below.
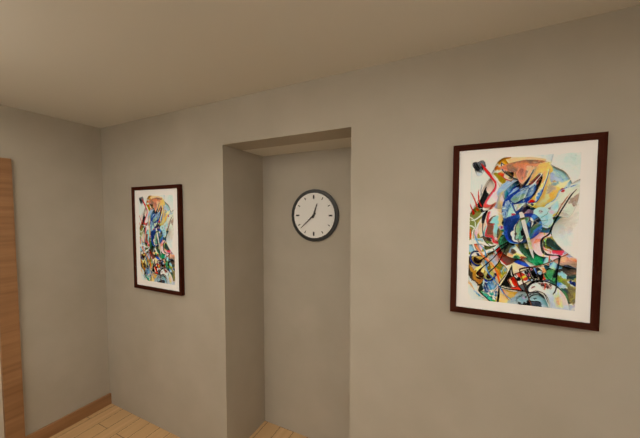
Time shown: 12:38
